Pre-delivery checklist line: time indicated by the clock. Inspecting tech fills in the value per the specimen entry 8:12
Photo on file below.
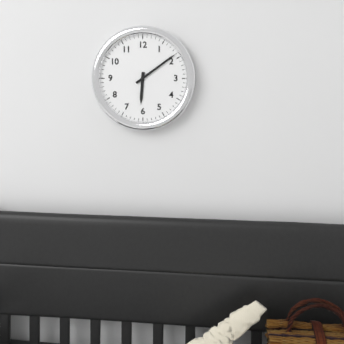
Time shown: 6:09
